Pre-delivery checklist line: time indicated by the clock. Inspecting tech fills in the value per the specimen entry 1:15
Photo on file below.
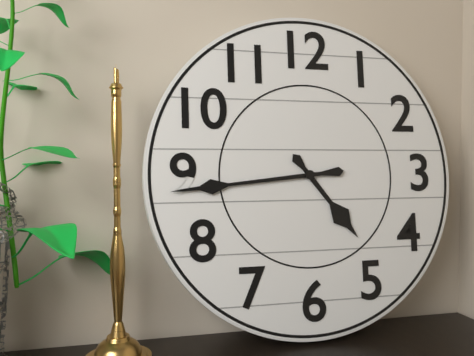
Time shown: 4:44
